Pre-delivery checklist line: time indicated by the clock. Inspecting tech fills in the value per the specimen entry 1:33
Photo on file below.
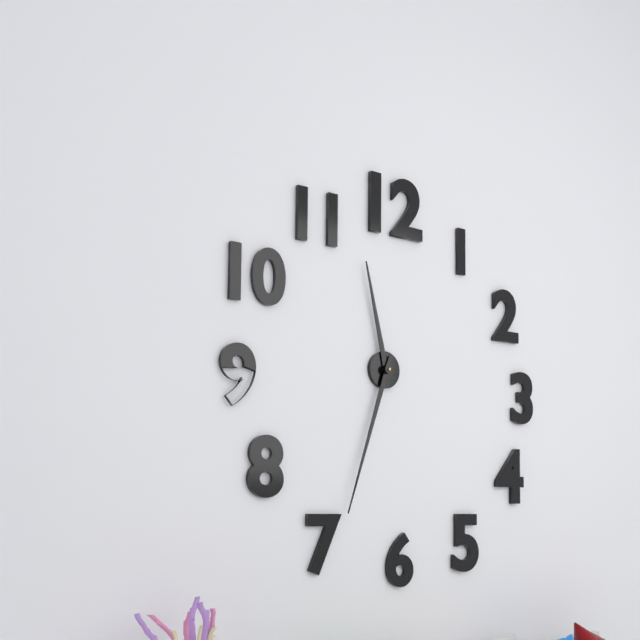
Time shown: 11:33
